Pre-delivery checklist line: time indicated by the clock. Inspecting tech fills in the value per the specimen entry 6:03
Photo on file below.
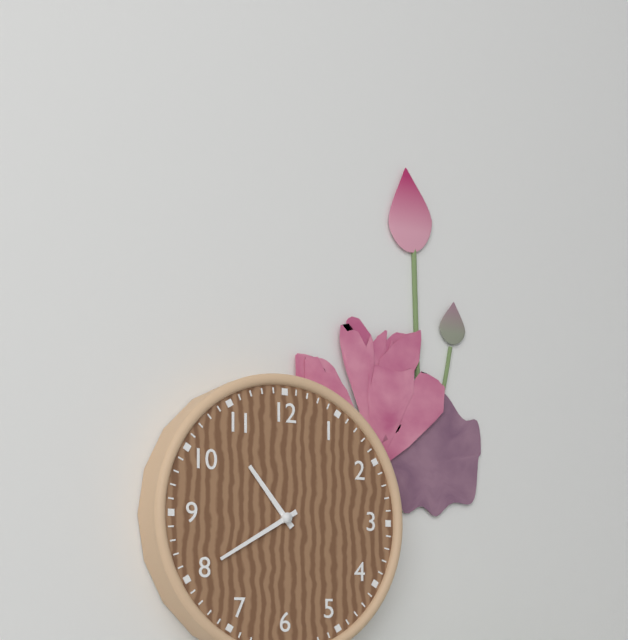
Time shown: 10:40
